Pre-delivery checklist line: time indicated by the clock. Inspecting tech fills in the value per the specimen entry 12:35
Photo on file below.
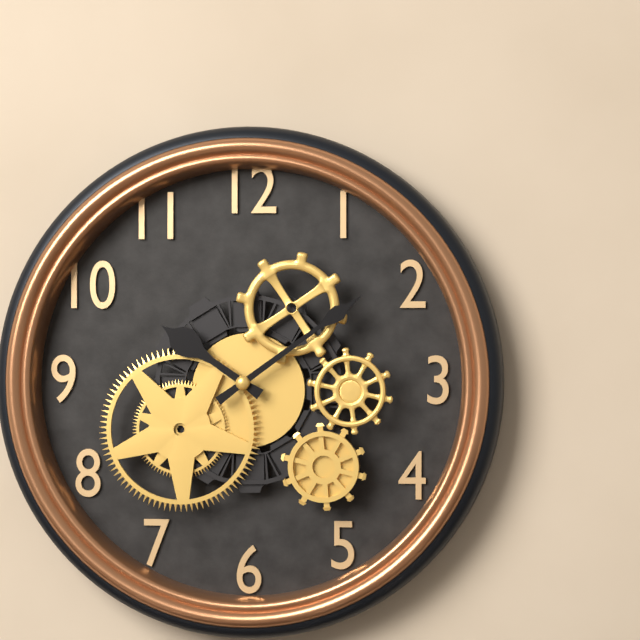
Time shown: 10:09
